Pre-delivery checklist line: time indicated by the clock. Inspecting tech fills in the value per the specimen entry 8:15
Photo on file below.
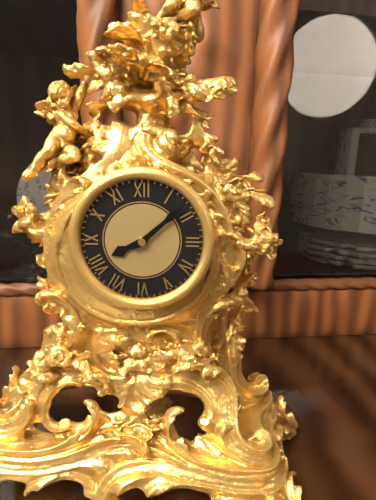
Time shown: 8:08
